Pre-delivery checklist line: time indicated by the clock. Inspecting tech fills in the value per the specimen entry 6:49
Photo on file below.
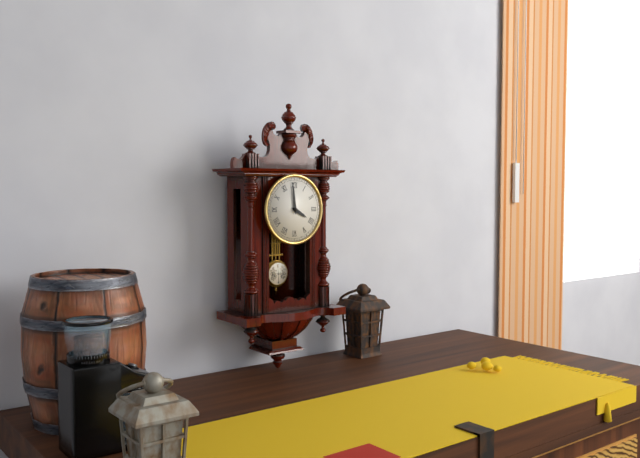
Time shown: 3:59
